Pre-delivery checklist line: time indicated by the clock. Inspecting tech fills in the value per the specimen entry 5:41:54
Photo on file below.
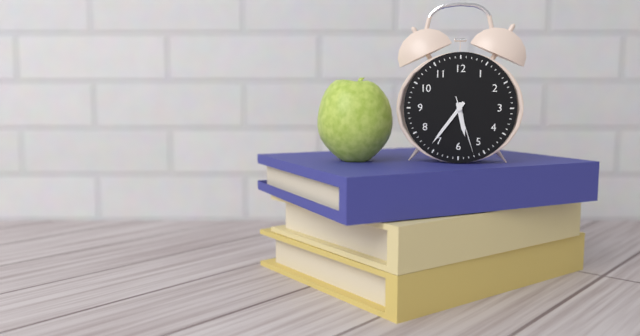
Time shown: 5:36:27
